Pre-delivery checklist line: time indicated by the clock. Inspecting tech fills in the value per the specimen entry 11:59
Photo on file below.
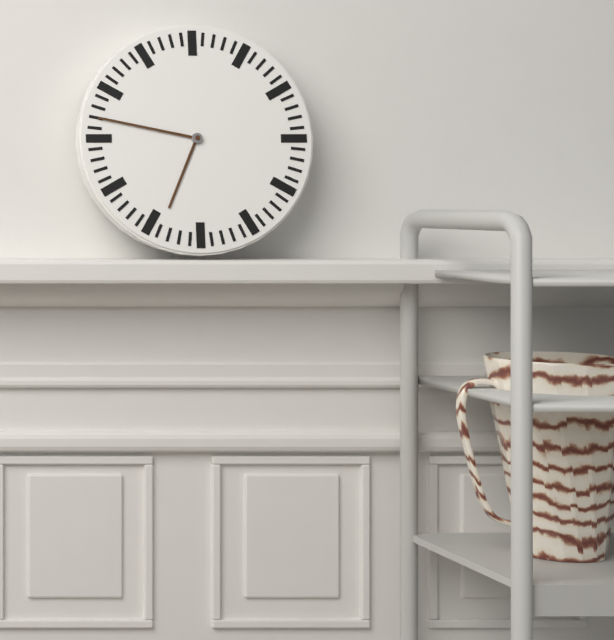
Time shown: 6:47
